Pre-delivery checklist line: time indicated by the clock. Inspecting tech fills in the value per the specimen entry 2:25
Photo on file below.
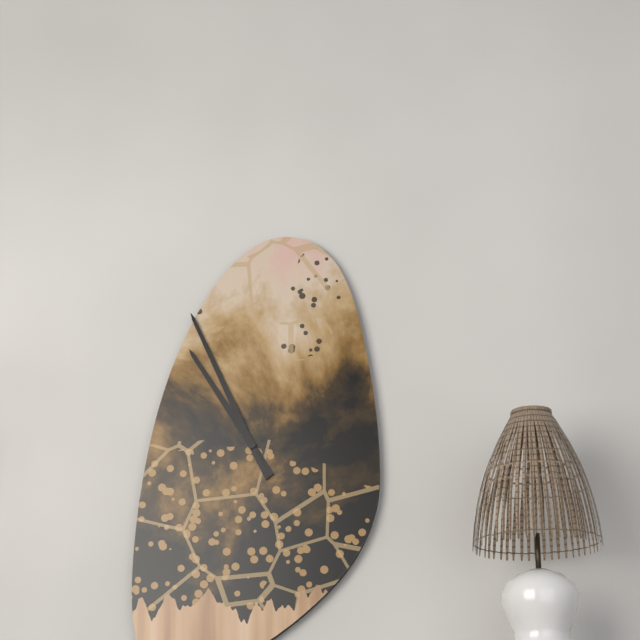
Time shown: 10:56
